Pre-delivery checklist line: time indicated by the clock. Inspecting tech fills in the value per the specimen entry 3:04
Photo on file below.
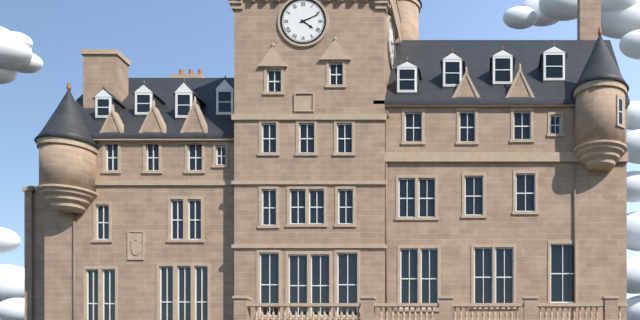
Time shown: 4:11
